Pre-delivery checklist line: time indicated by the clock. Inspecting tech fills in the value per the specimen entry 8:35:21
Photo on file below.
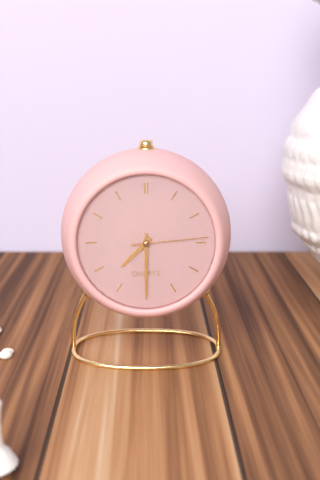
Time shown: 7:30:14
